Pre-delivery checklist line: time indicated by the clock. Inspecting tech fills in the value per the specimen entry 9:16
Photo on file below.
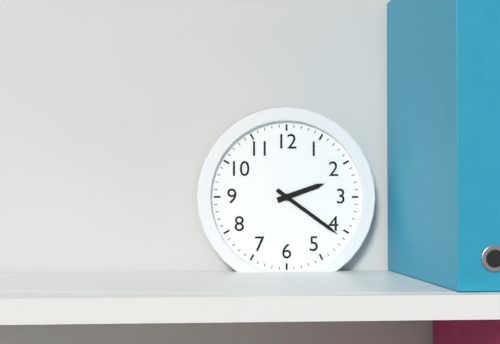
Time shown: 2:21
